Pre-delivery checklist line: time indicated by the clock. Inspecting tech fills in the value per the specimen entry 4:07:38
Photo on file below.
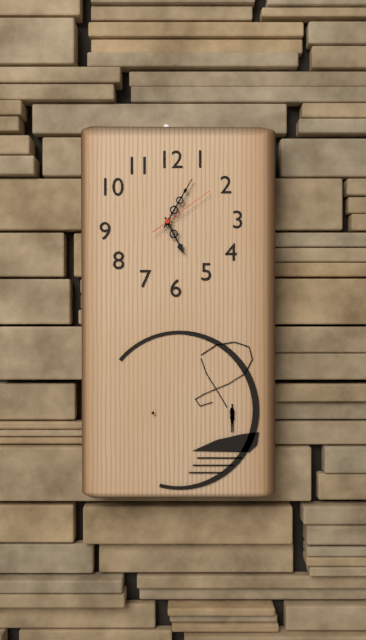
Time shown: 5:05:09
